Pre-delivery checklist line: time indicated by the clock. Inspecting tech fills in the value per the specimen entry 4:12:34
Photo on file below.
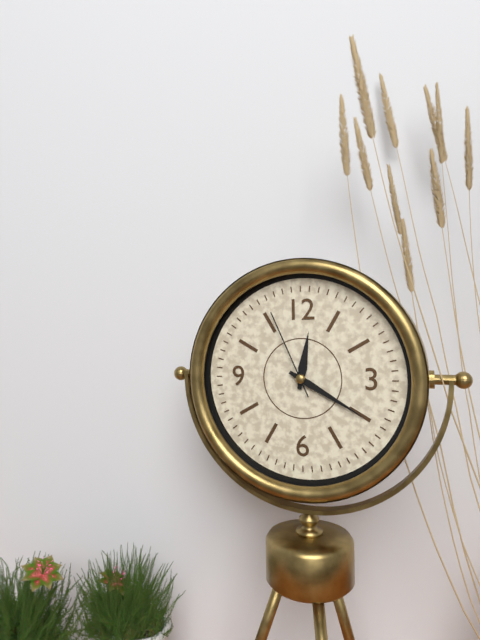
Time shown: 12:20:56
